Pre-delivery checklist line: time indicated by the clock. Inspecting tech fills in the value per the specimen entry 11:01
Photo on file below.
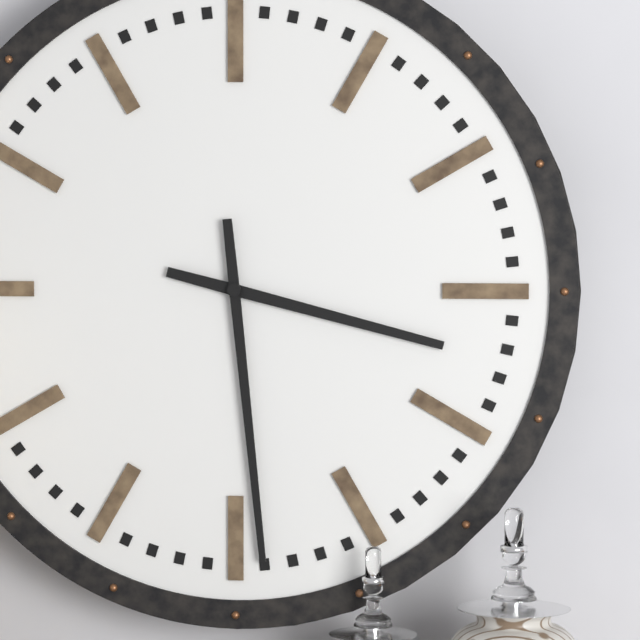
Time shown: 3:29
